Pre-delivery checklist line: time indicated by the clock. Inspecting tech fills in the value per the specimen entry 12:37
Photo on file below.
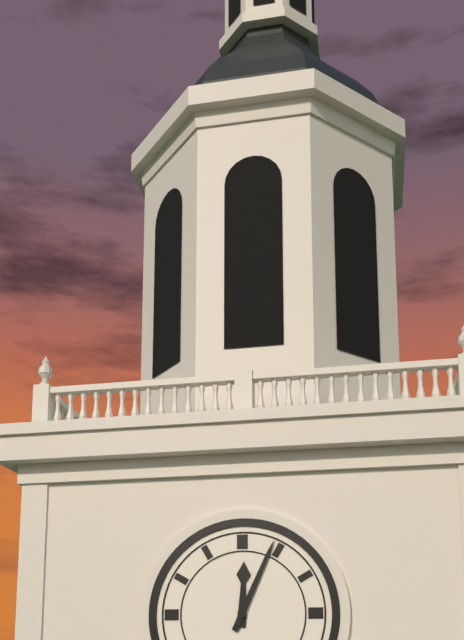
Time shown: 12:04
